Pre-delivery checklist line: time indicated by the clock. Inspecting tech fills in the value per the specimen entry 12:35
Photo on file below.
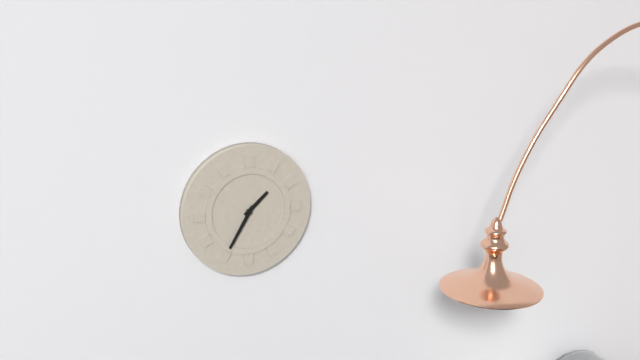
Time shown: 1:35
